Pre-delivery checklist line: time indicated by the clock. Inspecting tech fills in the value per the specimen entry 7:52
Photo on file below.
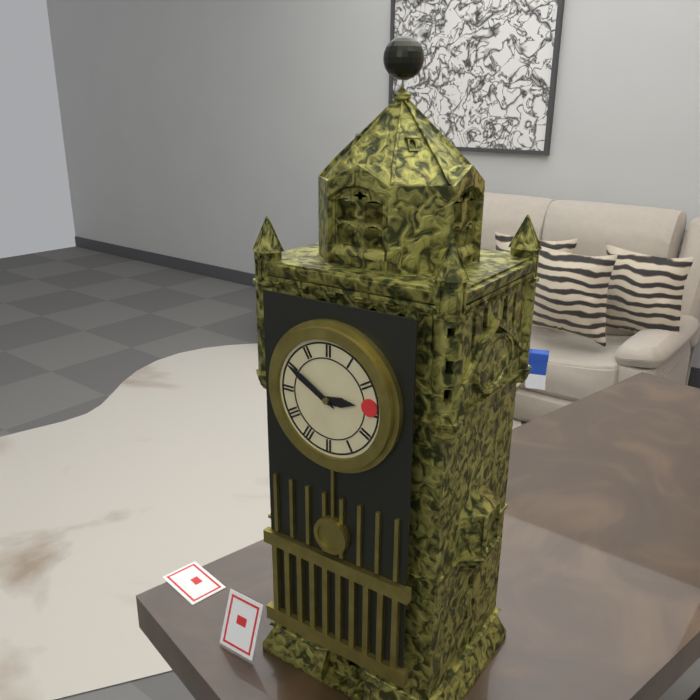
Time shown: 2:50
